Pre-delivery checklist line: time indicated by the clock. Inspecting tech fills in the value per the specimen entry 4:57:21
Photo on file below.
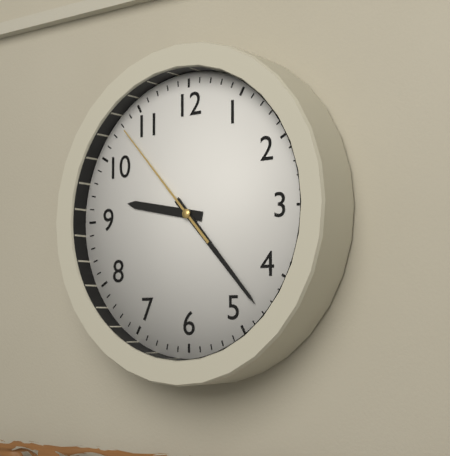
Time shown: 9:23:53
